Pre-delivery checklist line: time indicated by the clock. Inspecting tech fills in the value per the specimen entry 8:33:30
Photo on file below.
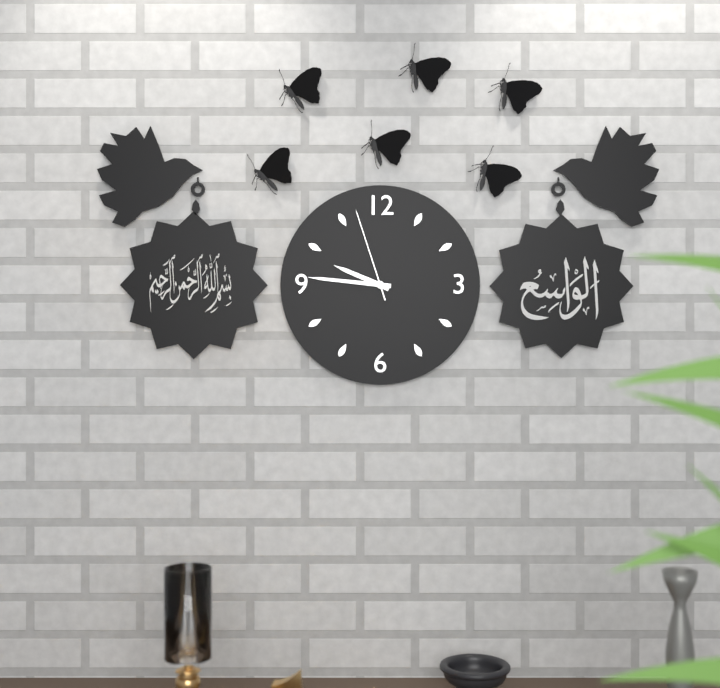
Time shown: 9:46:57
